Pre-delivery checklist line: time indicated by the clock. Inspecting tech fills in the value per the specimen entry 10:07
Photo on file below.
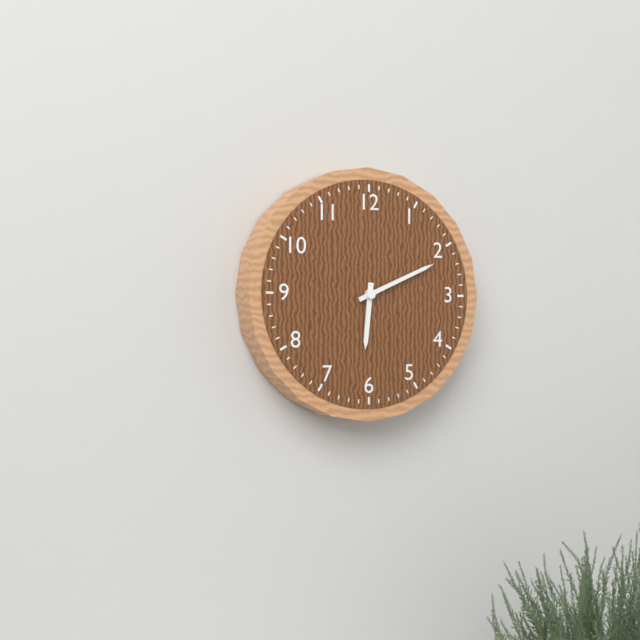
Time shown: 6:11
